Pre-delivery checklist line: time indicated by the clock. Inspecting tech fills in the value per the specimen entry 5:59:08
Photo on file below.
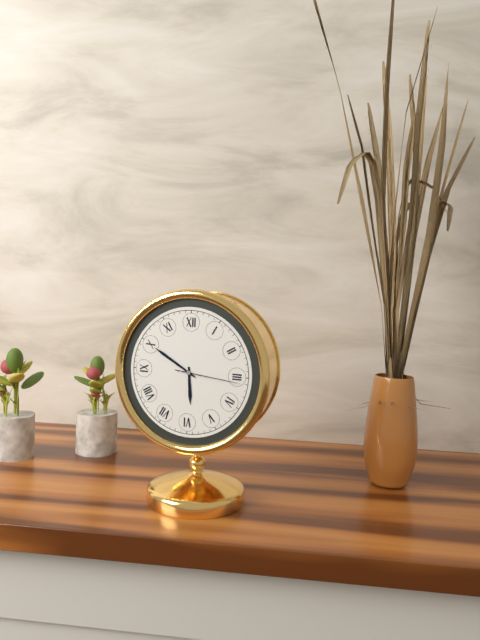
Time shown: 5:50:16
